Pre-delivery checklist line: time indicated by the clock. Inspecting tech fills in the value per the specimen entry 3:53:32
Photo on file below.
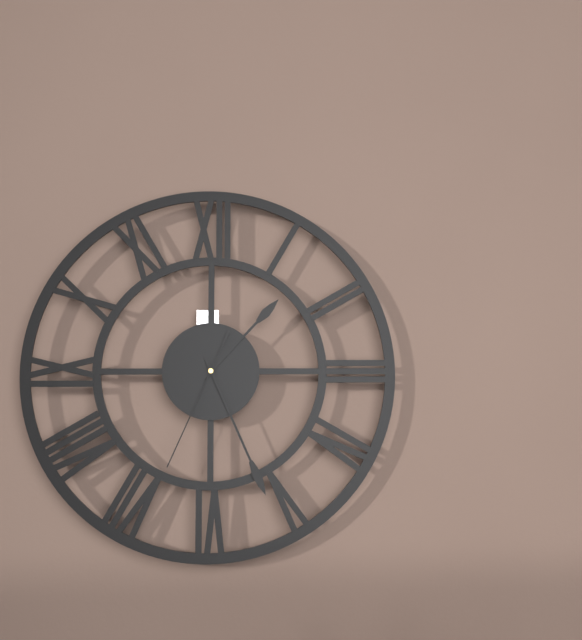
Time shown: 1:26:34
